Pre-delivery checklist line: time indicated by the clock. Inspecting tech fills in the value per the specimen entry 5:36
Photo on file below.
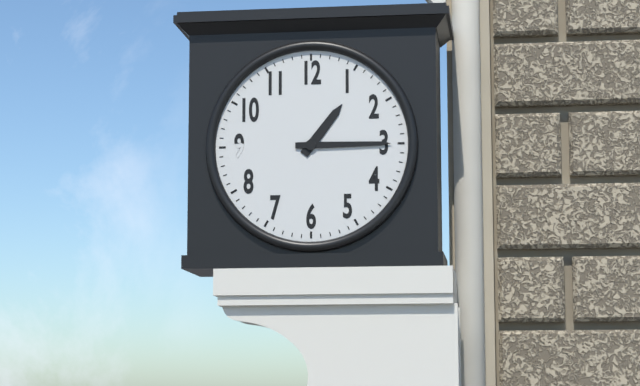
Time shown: 1:15
